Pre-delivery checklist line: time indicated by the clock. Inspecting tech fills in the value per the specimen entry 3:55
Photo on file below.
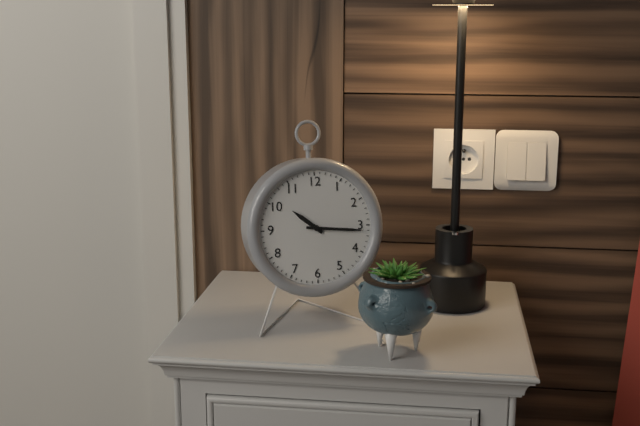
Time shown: 10:16
